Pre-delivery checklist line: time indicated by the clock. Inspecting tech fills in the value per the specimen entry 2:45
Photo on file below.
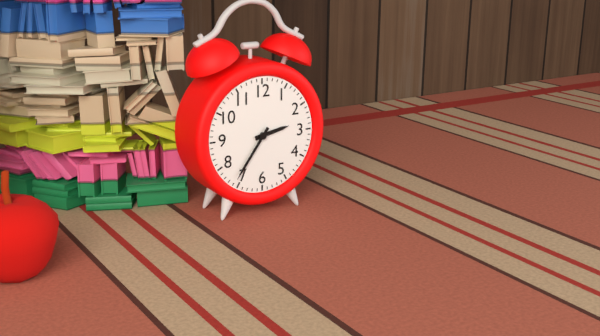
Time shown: 2:36
